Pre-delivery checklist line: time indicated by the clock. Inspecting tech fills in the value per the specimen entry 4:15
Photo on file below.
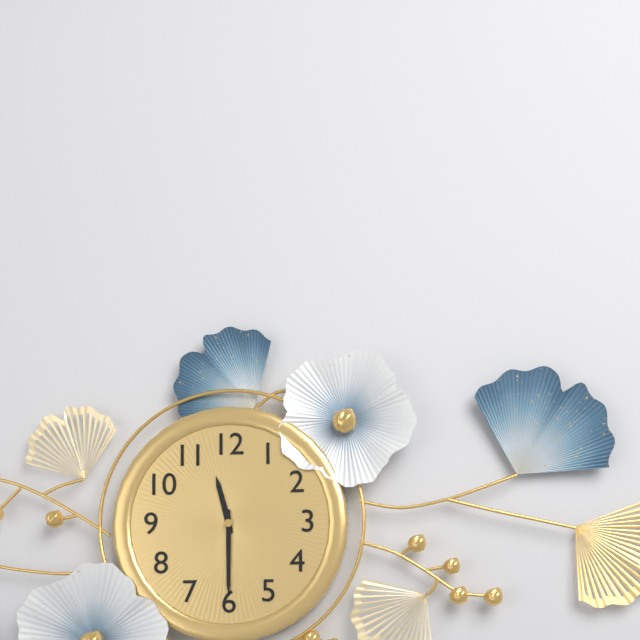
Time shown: 11:30
